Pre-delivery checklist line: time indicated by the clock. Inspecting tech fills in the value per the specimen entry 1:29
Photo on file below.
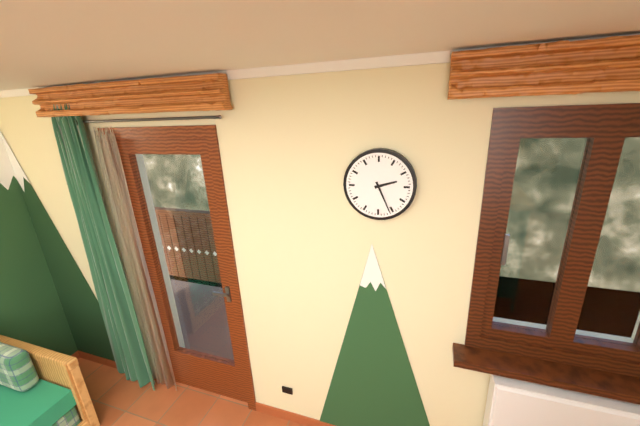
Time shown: 2:26
